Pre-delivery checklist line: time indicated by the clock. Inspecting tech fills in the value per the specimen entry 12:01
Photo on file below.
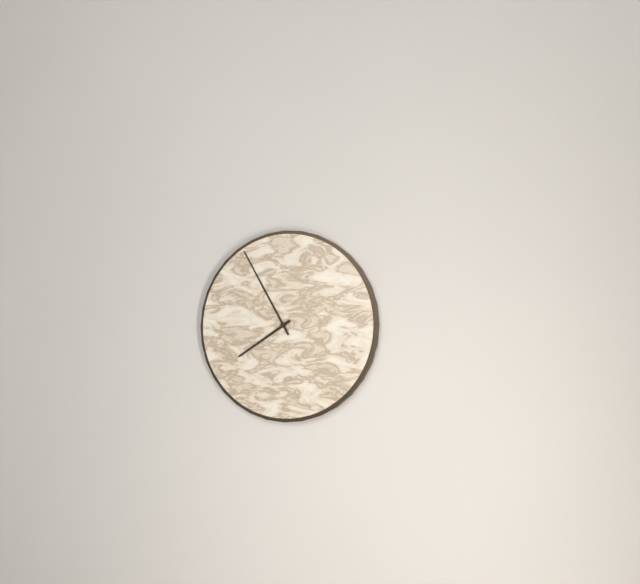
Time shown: 7:55
